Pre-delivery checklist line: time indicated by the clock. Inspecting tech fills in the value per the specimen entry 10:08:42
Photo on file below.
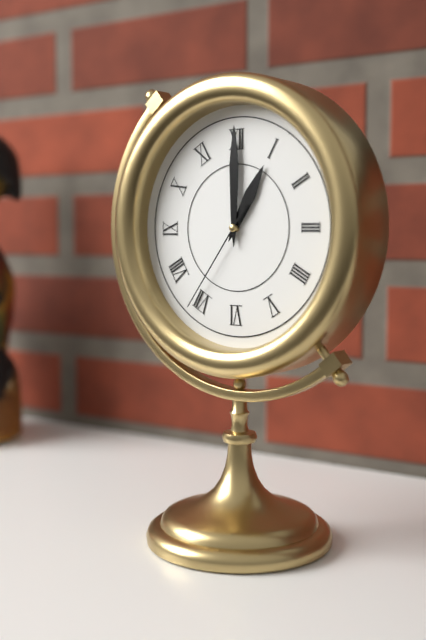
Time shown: 1:00:36
